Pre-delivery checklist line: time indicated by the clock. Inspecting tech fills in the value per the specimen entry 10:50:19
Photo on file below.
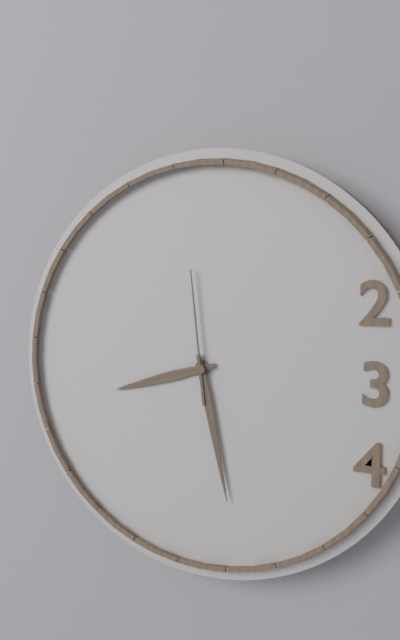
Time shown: 8:28:59
